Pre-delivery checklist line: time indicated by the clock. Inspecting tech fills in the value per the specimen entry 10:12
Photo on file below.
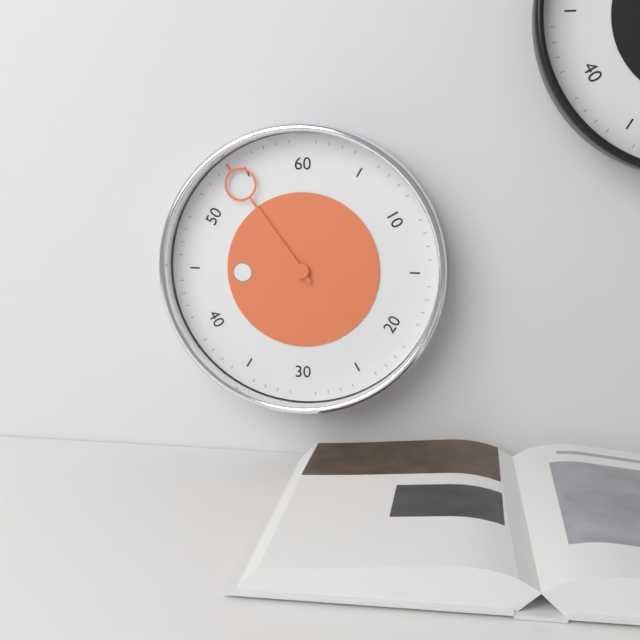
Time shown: 8:54
